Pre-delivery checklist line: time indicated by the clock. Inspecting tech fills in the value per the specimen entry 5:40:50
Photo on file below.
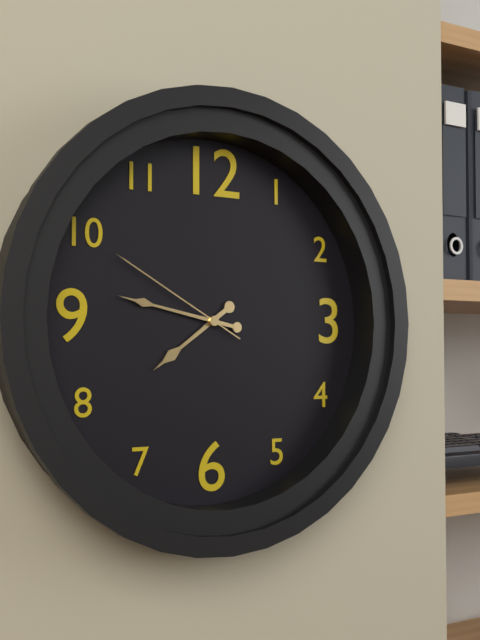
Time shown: 7:47:50
